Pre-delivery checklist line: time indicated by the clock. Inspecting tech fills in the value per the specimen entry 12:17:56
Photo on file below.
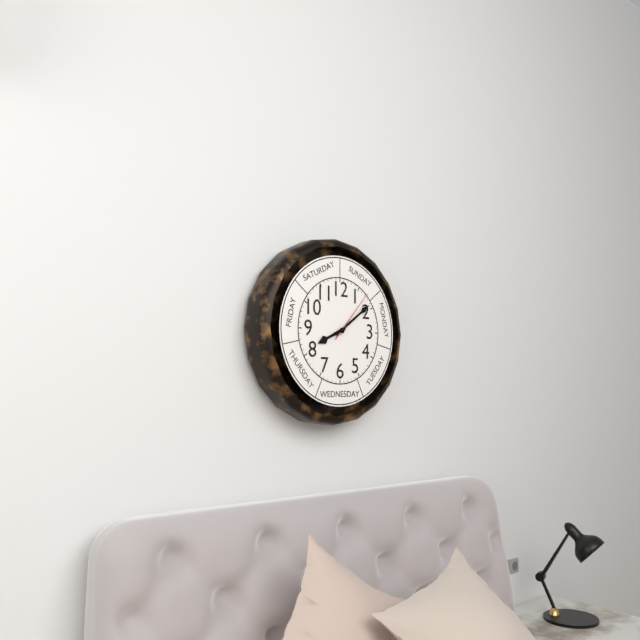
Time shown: 8:09:07
